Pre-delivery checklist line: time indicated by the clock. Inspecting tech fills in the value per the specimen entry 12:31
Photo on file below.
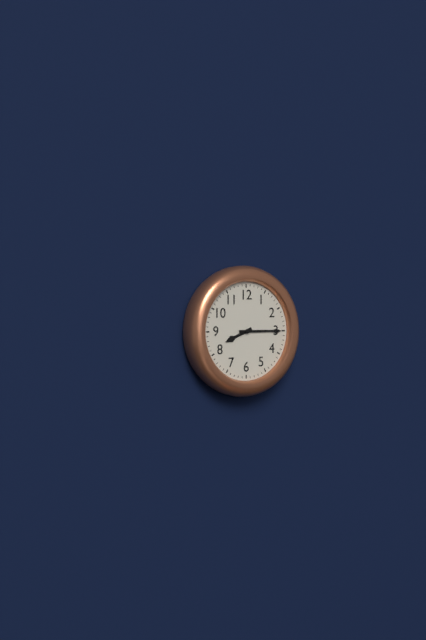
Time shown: 8:15
